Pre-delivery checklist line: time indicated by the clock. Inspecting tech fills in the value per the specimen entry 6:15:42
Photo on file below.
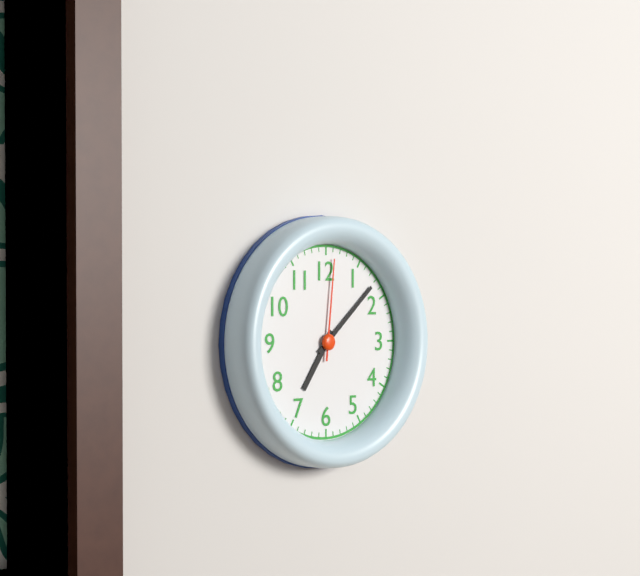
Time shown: 7:08:01
